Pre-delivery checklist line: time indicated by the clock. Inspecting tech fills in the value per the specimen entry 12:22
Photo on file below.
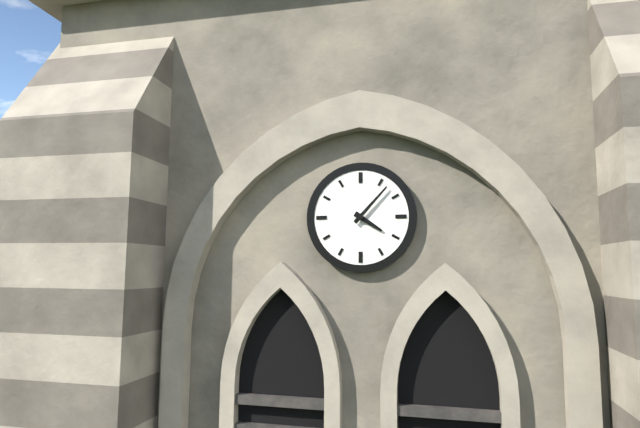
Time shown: 4:07
